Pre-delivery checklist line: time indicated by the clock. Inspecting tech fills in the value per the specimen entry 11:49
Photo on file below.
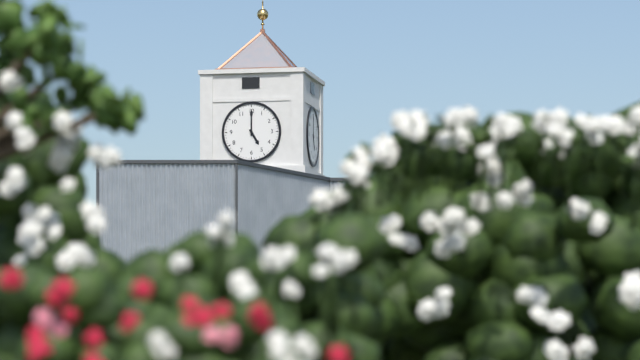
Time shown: 5:00
